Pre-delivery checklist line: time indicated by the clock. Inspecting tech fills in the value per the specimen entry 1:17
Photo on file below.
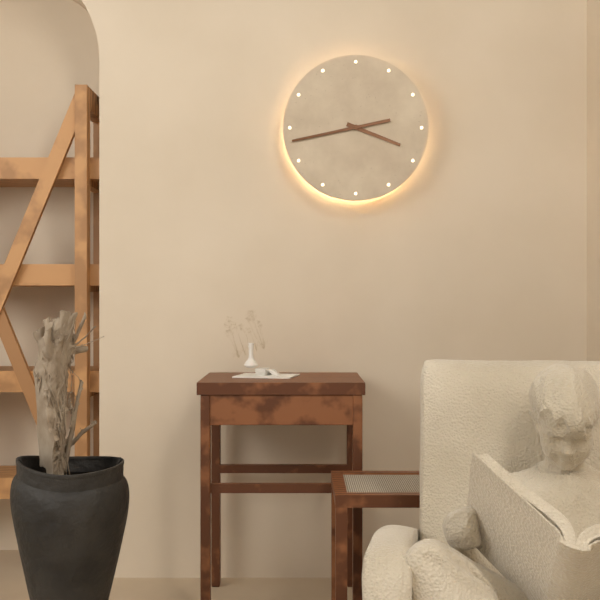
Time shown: 3:43
